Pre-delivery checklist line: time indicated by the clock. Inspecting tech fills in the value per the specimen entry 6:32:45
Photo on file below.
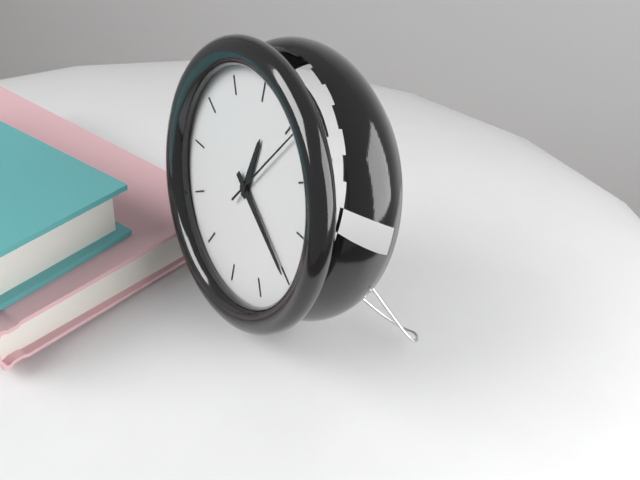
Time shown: 12:20:06
